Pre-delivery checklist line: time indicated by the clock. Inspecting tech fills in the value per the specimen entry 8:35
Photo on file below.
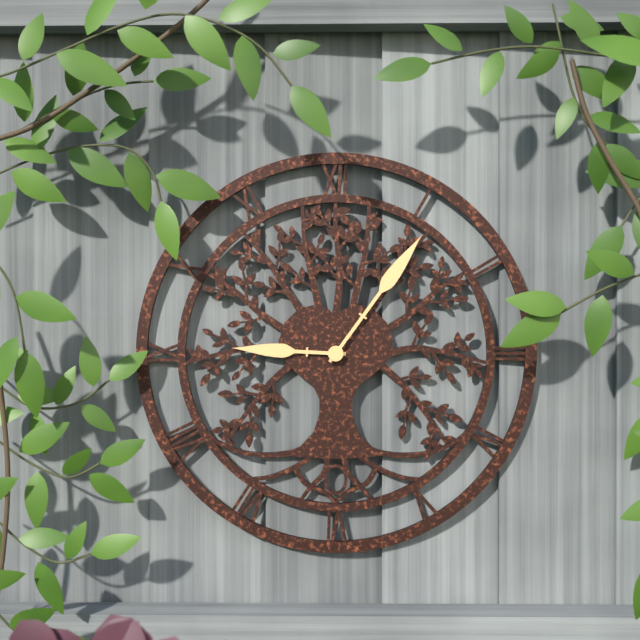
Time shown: 9:06
